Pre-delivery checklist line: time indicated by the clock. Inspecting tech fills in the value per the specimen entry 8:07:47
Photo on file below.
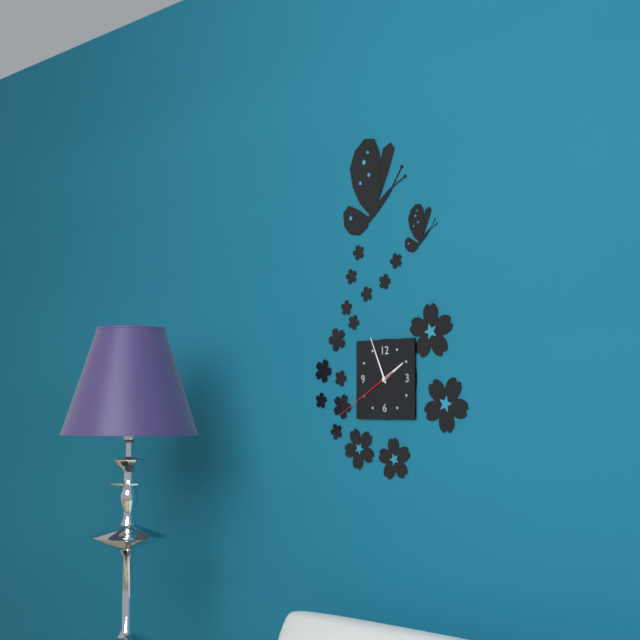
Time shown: 1:56:40
